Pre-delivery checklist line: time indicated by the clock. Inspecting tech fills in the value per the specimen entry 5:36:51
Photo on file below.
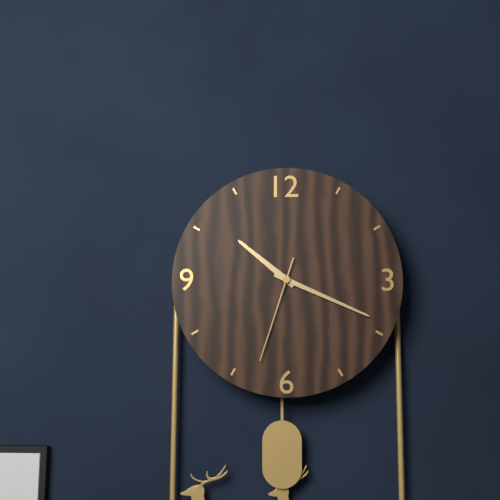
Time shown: 10:19:33
